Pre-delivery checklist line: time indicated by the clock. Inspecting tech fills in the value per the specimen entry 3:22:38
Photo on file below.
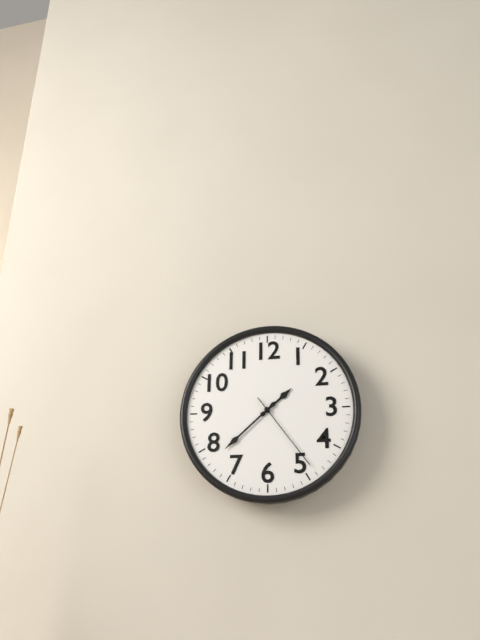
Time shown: 1:38:24
